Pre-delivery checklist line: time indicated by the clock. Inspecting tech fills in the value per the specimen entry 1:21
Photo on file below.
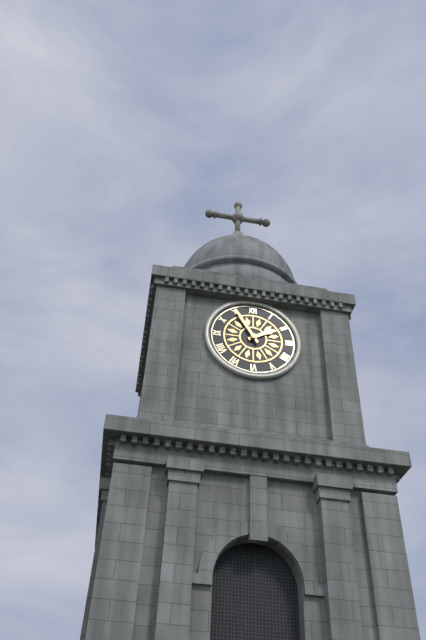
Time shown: 1:55
